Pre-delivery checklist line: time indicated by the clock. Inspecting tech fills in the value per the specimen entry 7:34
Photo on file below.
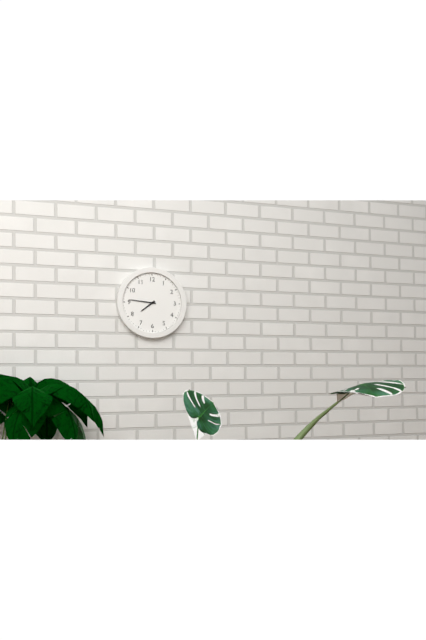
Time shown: 7:46
